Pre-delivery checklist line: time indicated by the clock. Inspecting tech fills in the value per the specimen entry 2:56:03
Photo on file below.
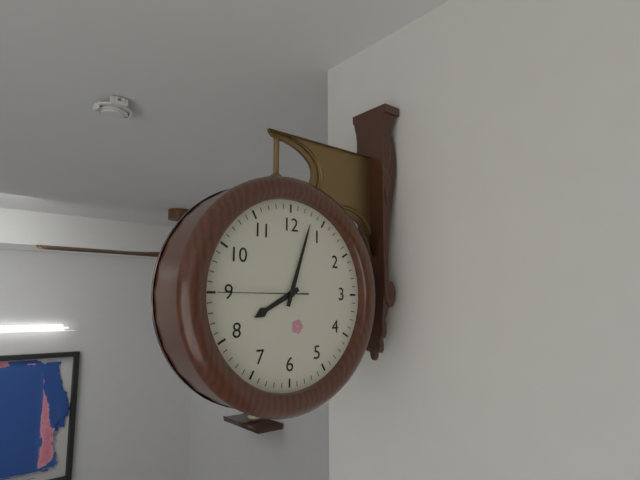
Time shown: 8:03:45
